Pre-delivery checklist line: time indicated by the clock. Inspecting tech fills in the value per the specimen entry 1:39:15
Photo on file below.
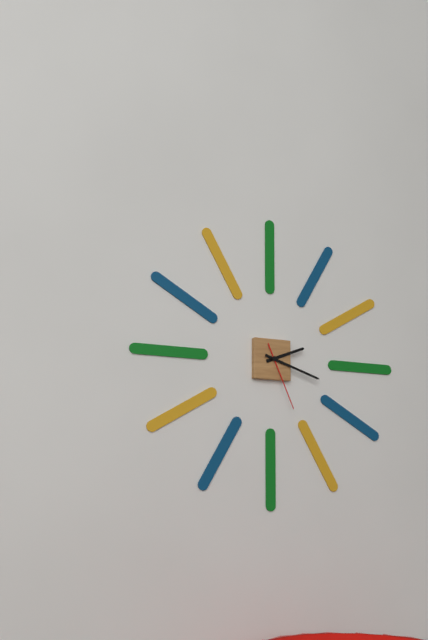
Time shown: 2:18:26
